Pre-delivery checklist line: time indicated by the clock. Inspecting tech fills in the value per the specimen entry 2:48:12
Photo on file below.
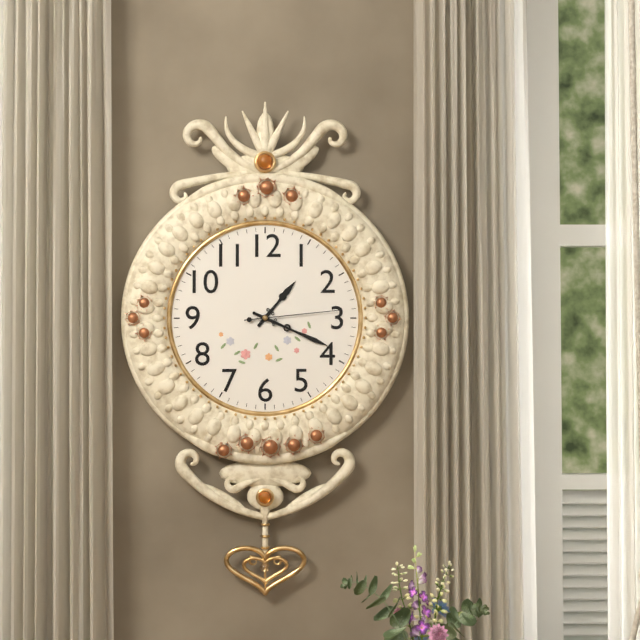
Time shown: 1:19:14
